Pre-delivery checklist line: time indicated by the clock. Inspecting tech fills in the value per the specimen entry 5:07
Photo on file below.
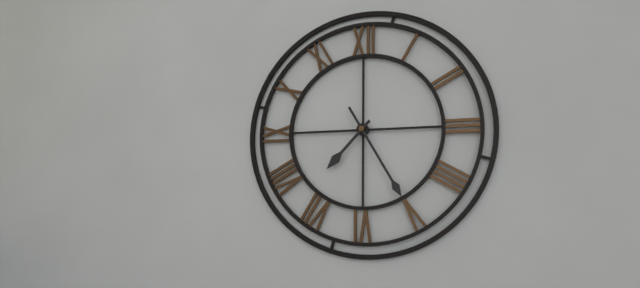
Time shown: 7:25
